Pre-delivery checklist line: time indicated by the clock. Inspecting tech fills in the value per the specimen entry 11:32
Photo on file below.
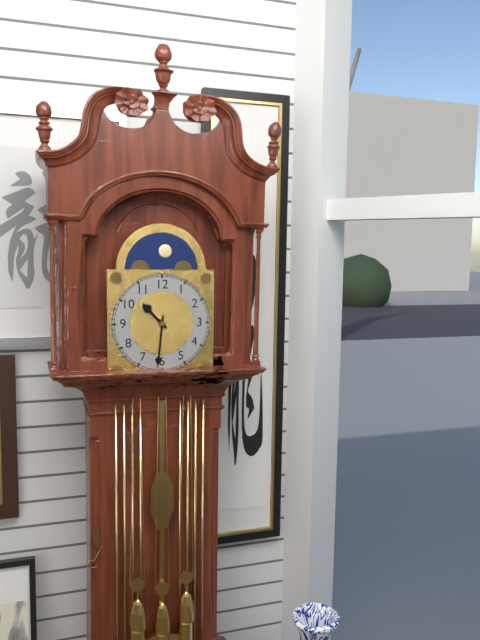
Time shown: 10:31
